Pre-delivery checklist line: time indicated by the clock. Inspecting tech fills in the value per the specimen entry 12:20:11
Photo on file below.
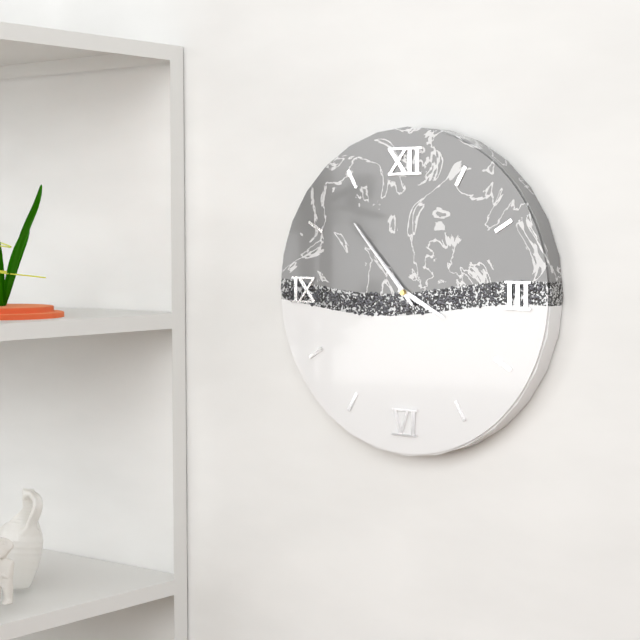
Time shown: 3:53:53
